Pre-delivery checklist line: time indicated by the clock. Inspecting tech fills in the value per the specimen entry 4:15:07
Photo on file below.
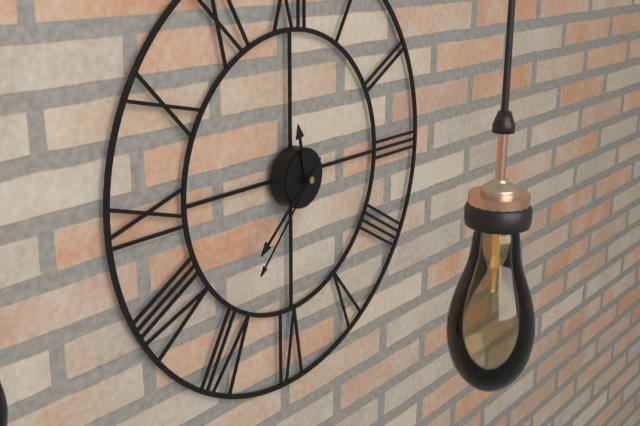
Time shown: 11:38:37
